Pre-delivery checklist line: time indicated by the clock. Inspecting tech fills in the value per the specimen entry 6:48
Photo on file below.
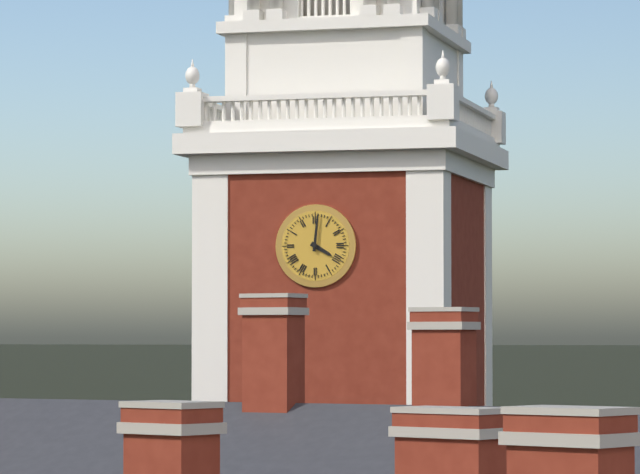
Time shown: 4:01
